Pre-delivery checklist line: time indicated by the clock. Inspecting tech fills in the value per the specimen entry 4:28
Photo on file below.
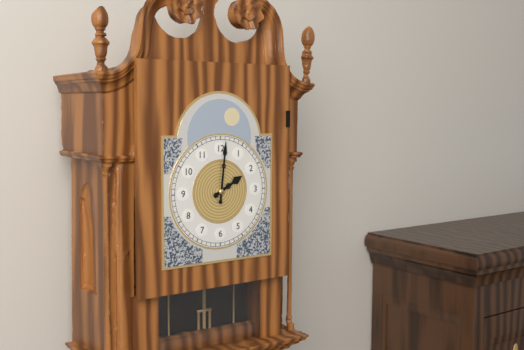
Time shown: 2:01
